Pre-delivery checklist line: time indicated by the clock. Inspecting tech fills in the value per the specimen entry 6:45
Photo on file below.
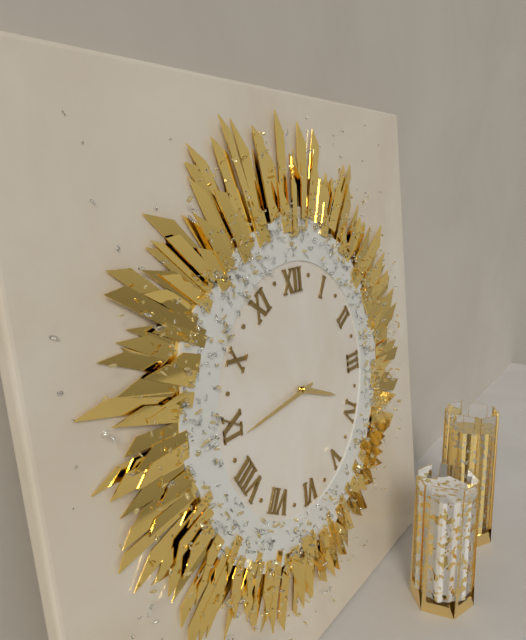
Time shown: 3:44
